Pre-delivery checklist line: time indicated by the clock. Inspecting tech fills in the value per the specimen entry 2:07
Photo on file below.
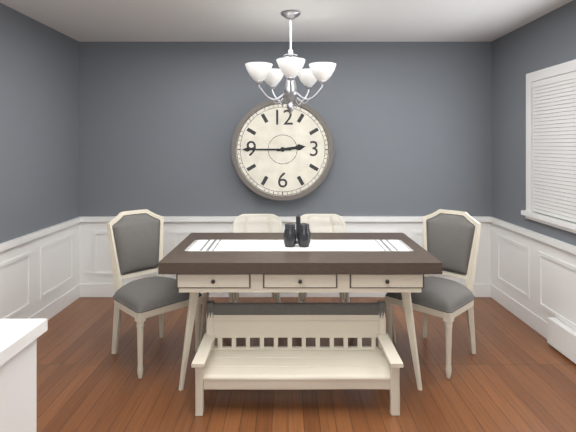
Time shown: 2:45
